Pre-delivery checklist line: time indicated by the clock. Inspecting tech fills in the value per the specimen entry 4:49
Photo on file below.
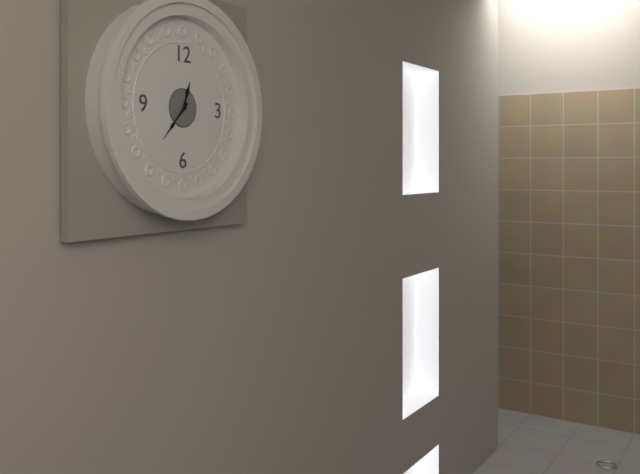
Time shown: 12:37
